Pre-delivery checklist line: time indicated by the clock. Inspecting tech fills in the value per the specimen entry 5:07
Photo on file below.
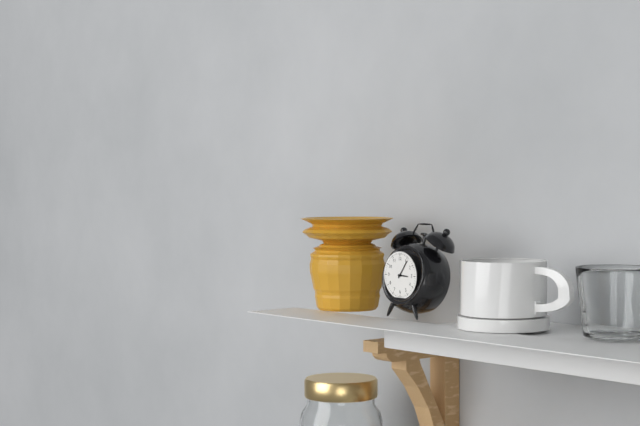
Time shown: 3:06
